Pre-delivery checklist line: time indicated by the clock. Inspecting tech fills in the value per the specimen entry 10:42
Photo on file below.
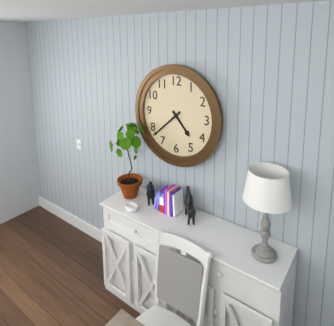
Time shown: 4:38
